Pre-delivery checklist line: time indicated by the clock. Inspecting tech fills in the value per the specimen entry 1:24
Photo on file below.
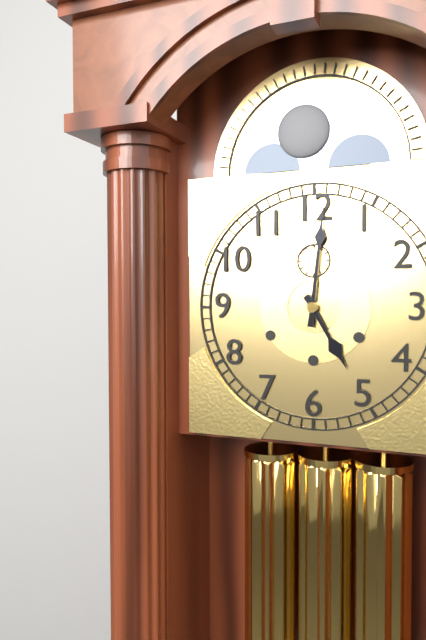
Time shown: 5:01
